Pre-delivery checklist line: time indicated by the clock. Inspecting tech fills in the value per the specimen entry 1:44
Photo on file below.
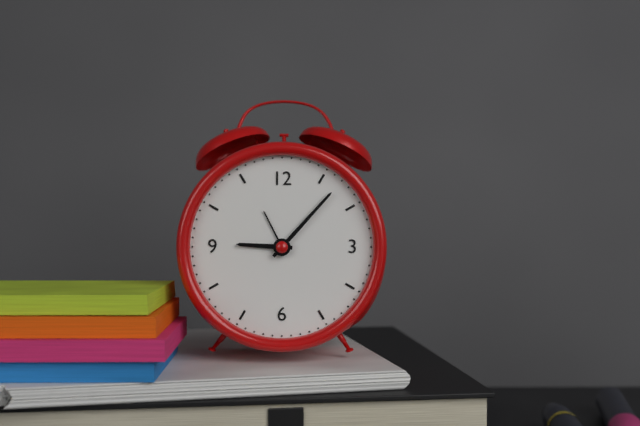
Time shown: 9:07
